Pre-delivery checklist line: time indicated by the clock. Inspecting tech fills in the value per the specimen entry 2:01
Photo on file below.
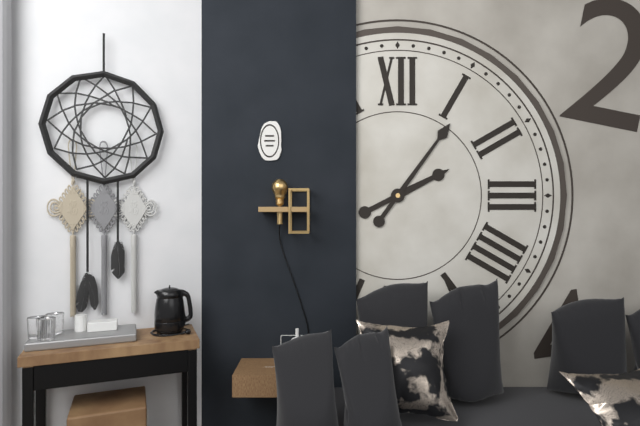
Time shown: 2:06
